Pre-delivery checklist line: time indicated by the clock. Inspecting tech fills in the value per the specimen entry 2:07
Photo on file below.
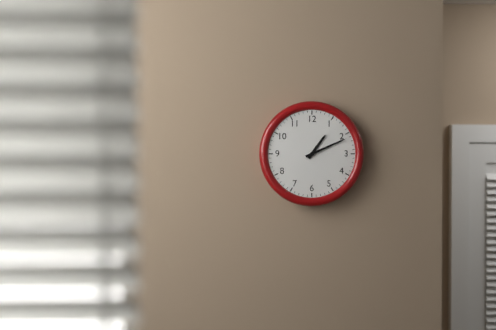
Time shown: 1:11
